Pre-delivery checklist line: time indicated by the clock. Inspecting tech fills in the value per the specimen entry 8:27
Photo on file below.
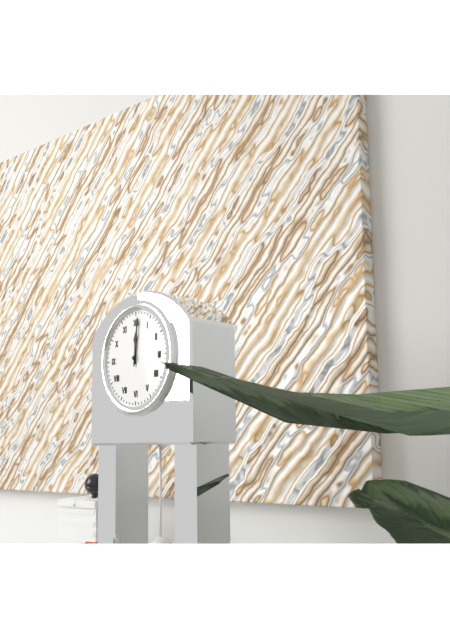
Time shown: 12:01
